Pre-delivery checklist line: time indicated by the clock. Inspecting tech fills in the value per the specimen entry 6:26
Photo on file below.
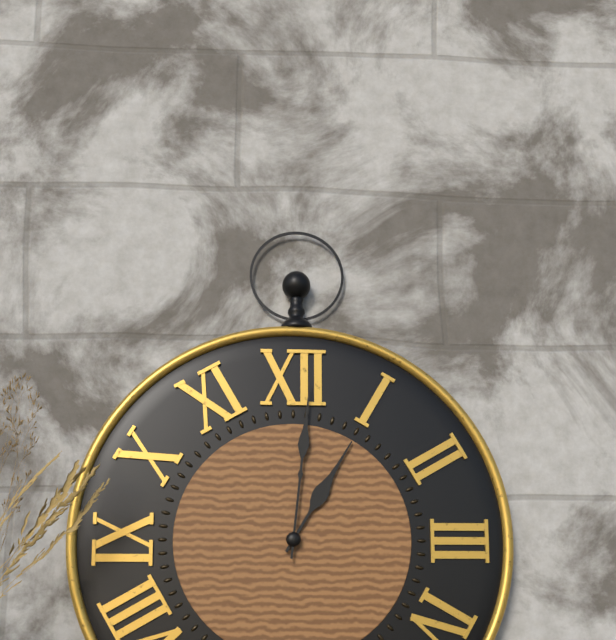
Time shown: 1:01
